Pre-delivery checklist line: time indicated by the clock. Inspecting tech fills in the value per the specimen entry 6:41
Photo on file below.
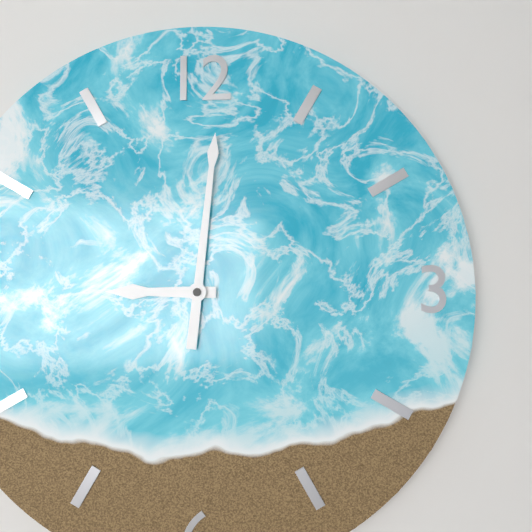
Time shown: 9:01
